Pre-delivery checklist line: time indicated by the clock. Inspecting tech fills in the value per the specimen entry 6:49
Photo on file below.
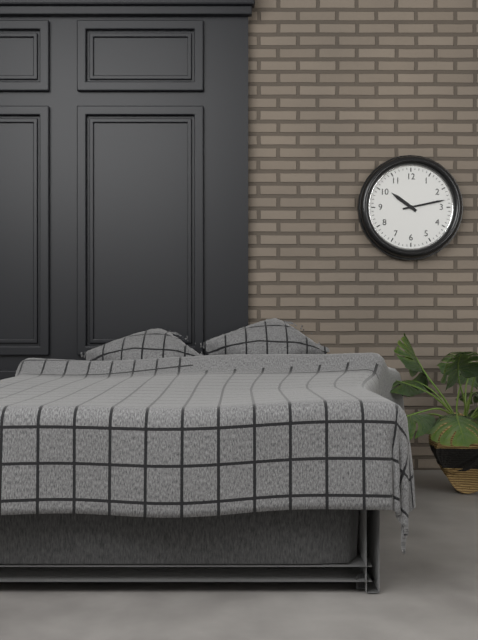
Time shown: 10:13
